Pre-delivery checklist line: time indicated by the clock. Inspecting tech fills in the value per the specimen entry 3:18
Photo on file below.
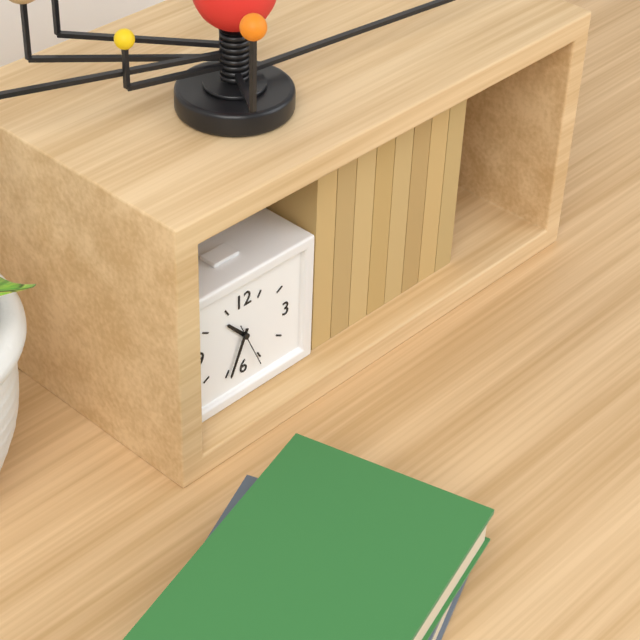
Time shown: 10:34
